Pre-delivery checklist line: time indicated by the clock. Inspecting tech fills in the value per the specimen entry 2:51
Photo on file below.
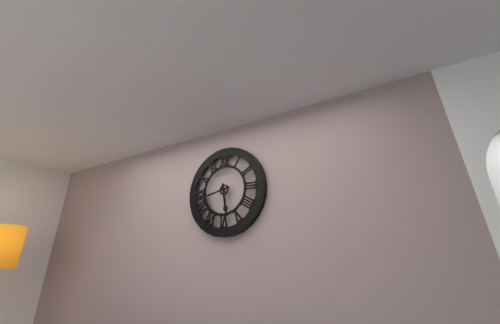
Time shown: 5:43
